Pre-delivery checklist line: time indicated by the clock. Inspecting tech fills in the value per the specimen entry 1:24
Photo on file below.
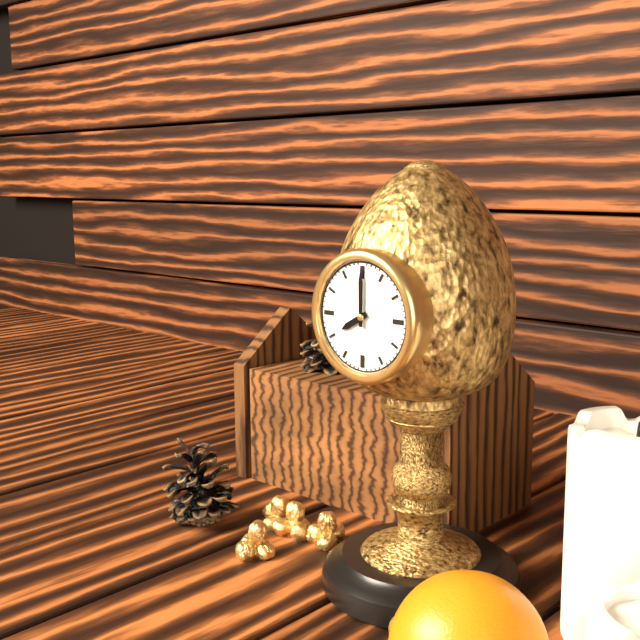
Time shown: 8:00
